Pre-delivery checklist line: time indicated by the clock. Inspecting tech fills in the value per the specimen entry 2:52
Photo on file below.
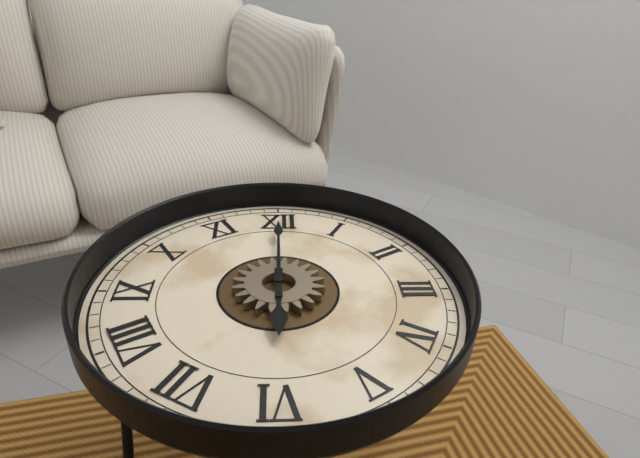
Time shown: 6:00
